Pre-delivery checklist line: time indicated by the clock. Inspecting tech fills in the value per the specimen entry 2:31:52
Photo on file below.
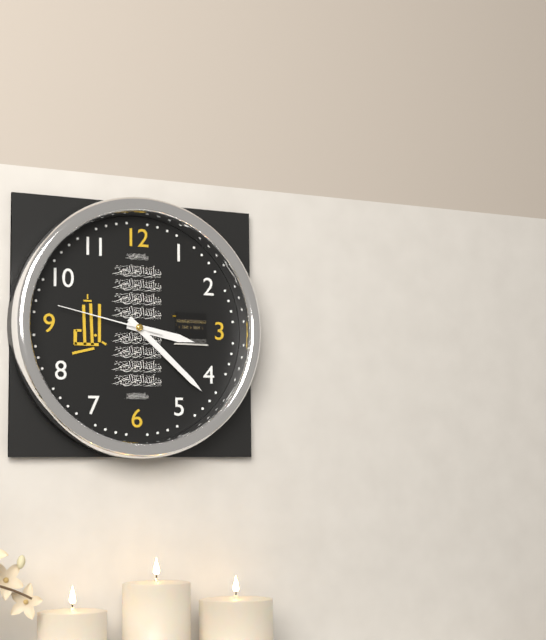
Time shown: 3:22:47
